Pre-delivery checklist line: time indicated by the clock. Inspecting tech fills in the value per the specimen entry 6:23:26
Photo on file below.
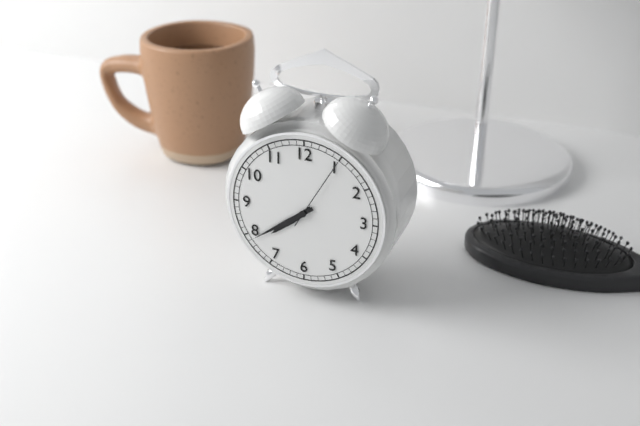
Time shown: 7:39:05
